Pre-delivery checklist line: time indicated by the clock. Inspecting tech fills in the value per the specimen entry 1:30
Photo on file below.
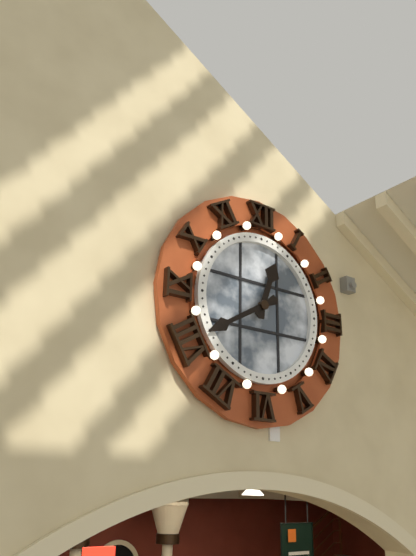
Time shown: 12:40
